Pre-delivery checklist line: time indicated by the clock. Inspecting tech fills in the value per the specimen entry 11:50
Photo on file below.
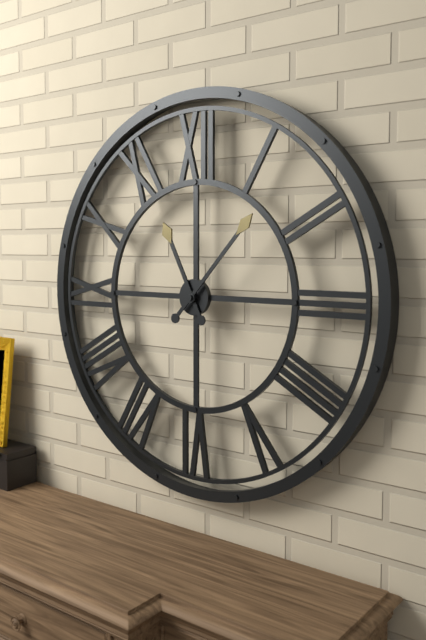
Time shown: 11:07
